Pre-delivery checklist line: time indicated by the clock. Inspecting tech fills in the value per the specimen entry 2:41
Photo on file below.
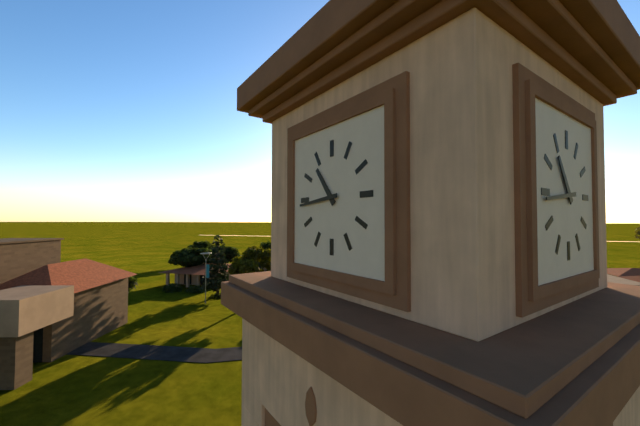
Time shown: 10:44
